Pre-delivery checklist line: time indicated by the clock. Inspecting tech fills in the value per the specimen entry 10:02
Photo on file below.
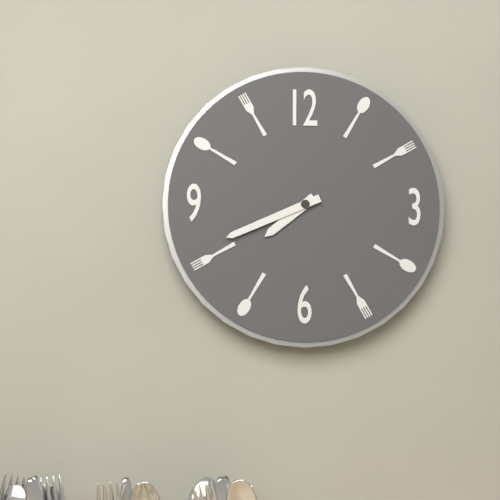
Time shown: 7:41
